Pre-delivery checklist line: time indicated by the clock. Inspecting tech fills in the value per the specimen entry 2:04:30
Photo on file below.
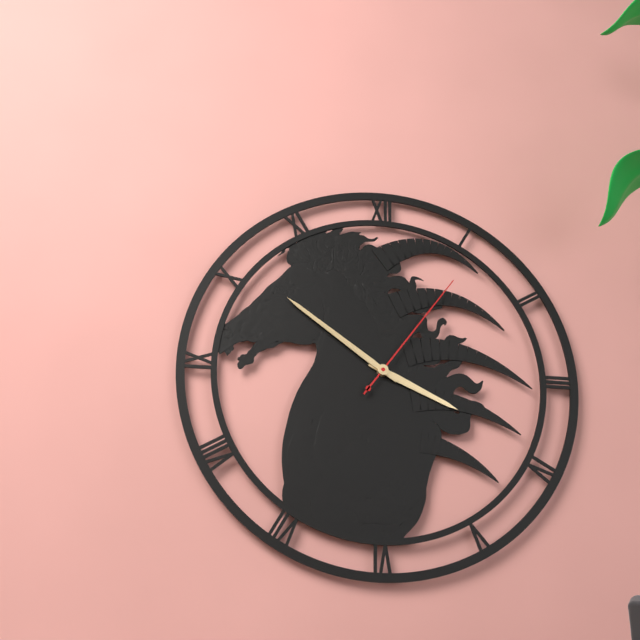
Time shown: 3:51:06
